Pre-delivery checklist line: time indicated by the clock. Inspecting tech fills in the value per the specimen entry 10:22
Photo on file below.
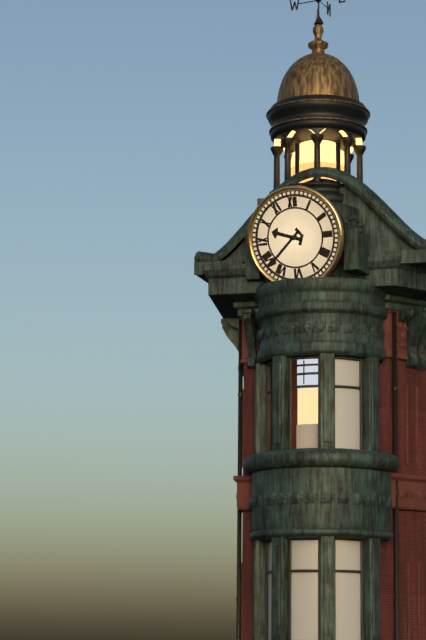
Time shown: 9:38
